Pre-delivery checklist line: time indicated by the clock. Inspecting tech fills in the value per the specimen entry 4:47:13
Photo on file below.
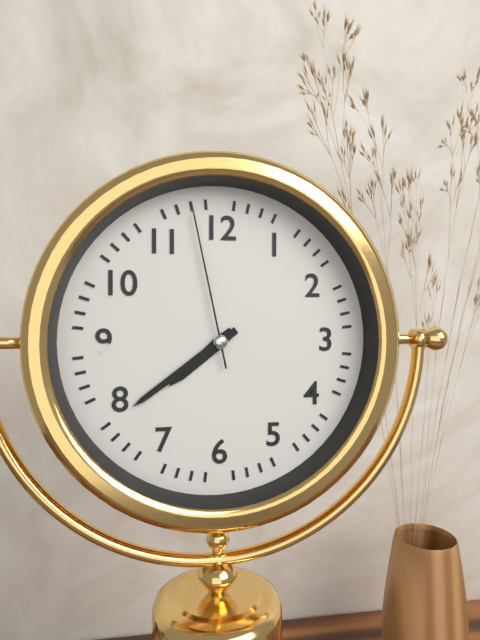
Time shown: 7:39:58
